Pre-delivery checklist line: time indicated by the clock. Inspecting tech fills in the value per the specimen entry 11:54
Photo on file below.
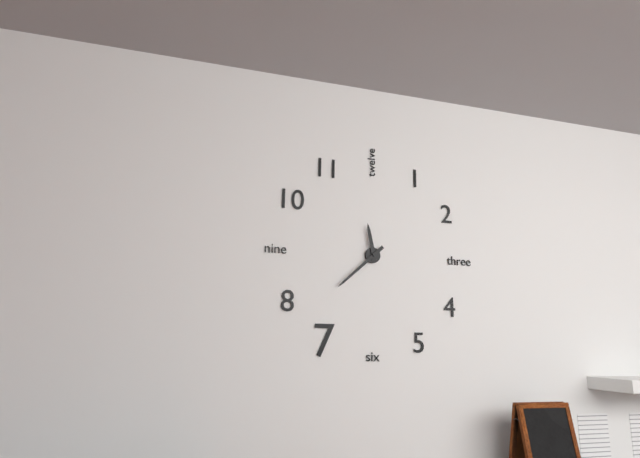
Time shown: 11:38
